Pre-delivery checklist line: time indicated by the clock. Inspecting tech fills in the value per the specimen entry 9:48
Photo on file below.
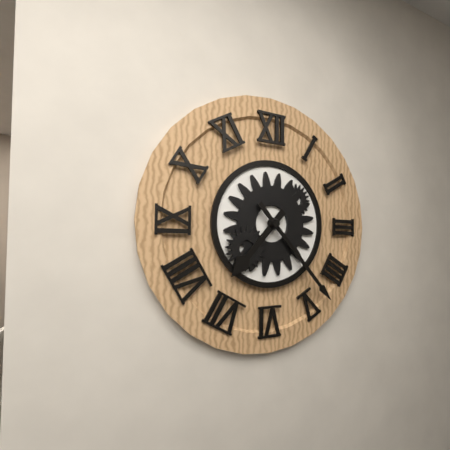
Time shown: 7:23
